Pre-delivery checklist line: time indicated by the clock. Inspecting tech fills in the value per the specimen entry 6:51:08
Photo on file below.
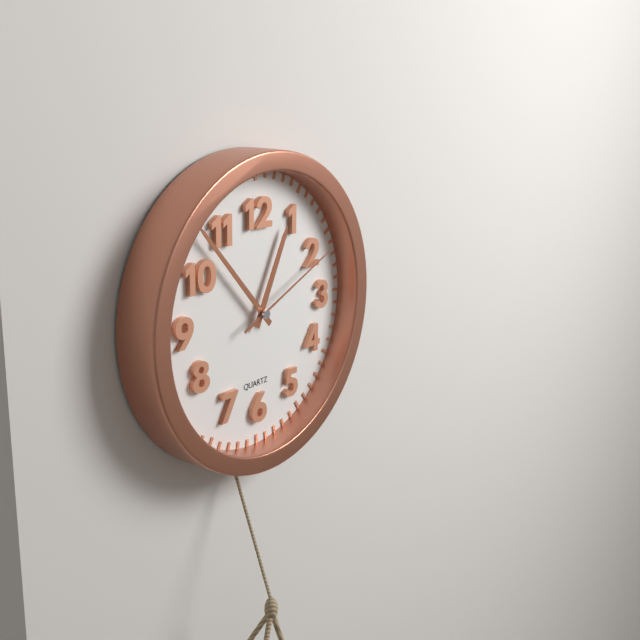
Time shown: 12:53:11
